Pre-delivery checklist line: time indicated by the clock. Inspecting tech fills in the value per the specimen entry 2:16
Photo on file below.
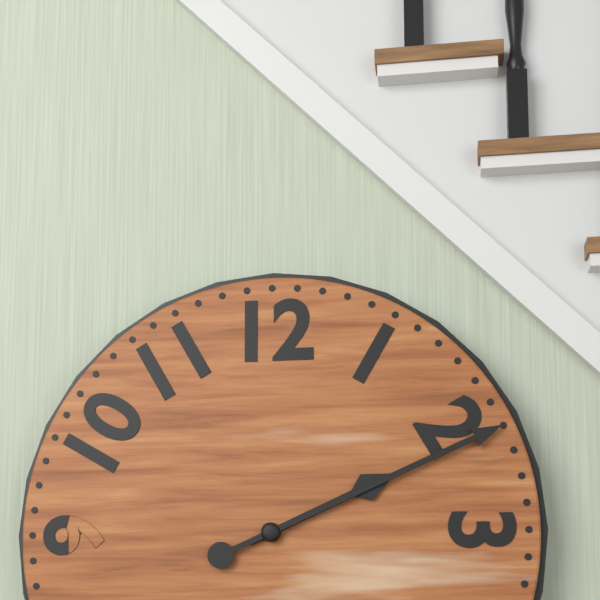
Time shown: 2:11
